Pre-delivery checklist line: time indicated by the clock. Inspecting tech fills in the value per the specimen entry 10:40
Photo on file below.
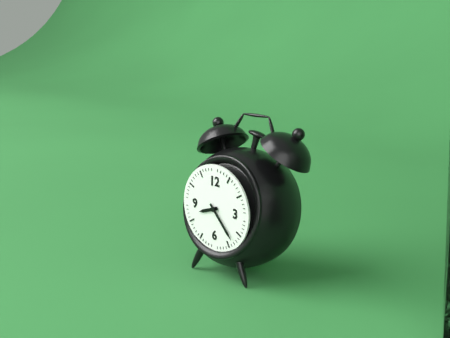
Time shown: 8:23
